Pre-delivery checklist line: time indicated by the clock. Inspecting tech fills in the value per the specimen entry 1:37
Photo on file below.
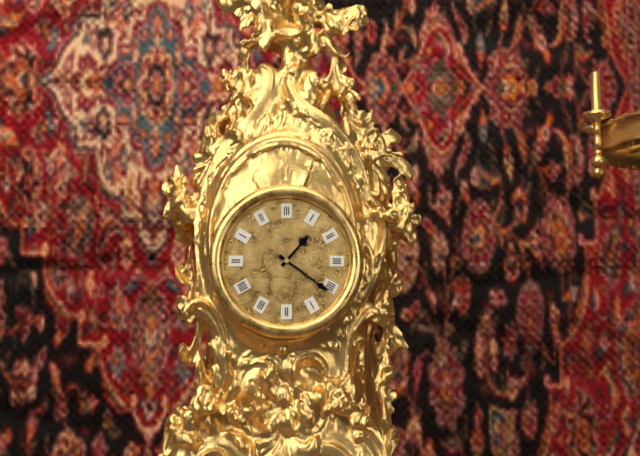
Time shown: 1:21
